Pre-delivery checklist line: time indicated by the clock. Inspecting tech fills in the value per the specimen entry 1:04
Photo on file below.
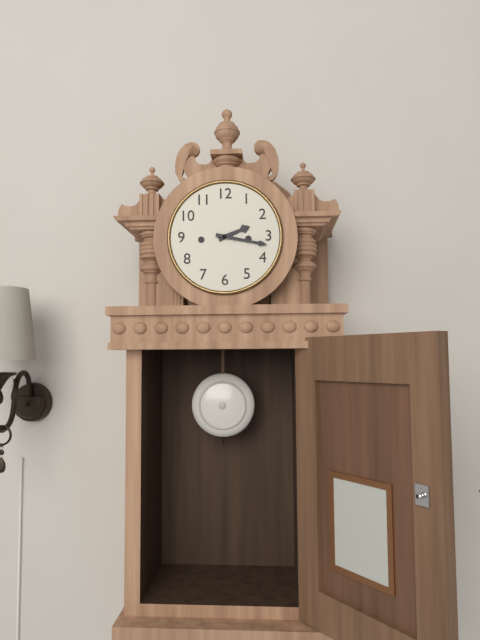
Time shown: 2:17
